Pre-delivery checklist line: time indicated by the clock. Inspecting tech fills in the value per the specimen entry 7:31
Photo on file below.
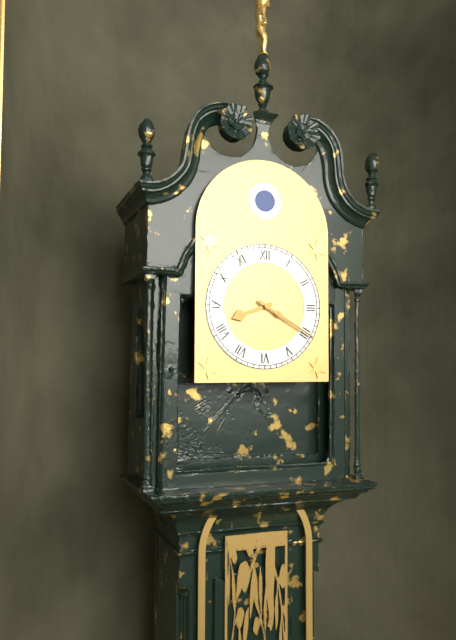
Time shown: 8:20
